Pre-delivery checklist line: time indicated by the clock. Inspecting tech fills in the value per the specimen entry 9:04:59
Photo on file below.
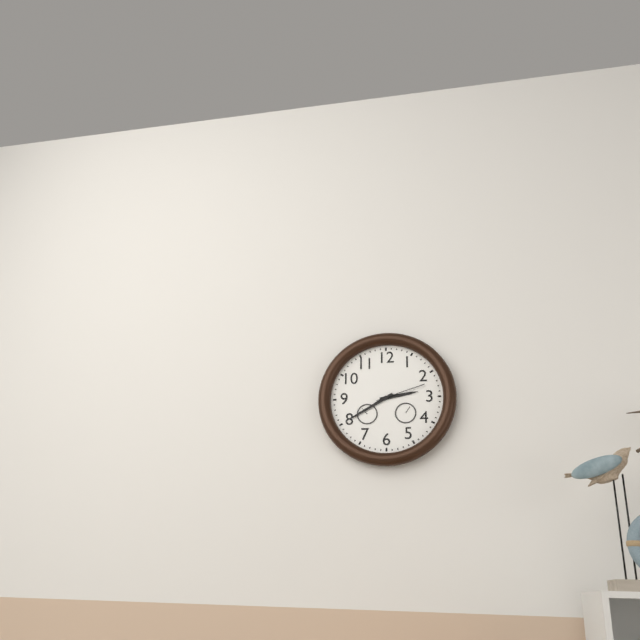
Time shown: 2:40:12
